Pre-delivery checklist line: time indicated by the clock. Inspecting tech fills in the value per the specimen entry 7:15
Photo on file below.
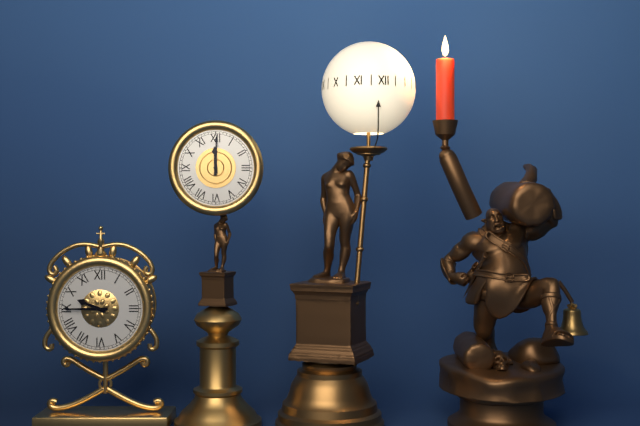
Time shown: 9:45
